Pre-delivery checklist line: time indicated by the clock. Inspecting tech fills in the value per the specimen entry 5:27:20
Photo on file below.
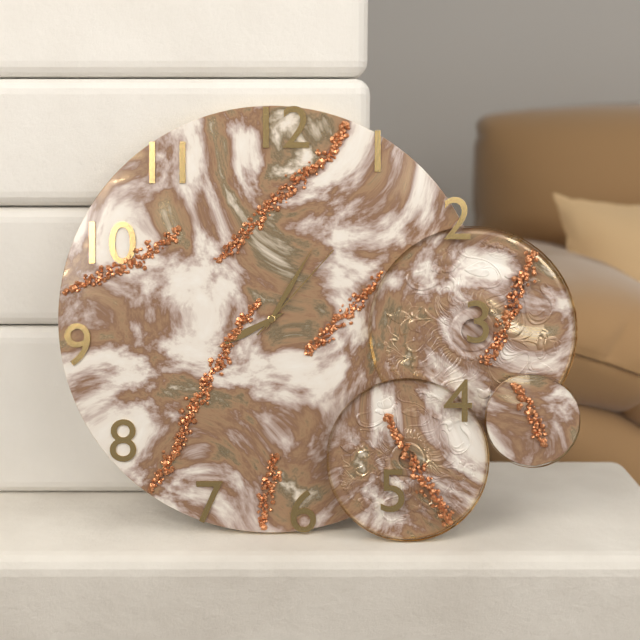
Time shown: 8:05:07
